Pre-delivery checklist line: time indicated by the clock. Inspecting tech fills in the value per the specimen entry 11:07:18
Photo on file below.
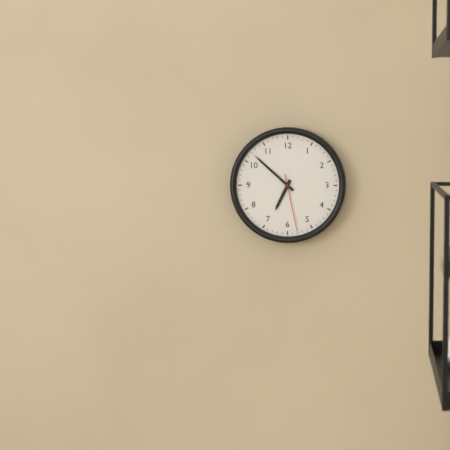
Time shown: 6:52:28
